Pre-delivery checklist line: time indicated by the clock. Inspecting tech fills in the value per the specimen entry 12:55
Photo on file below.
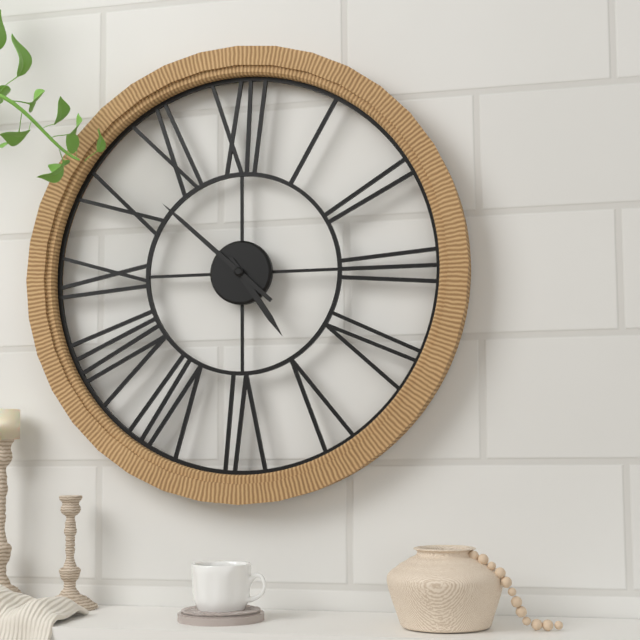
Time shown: 4:52
